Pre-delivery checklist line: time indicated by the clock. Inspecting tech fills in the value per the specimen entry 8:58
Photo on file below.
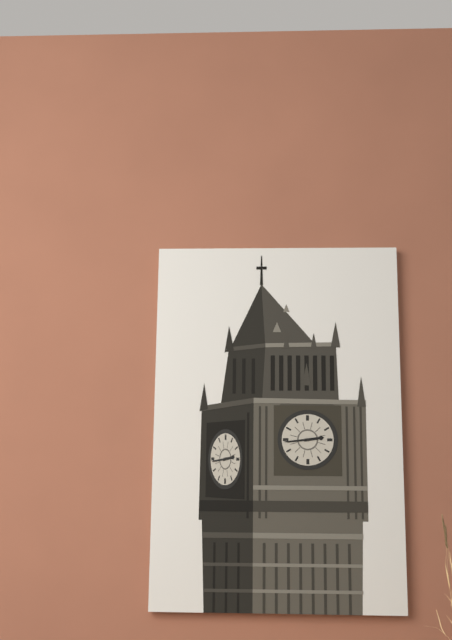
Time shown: 2:44
